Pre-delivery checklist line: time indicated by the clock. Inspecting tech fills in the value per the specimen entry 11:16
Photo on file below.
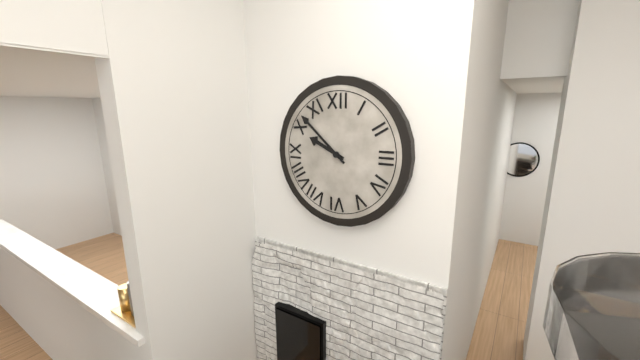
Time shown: 9:52
